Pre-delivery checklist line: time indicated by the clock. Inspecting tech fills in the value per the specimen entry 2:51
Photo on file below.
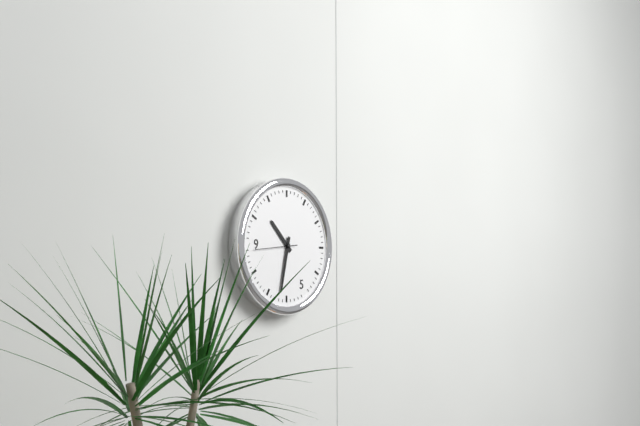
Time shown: 10:32
